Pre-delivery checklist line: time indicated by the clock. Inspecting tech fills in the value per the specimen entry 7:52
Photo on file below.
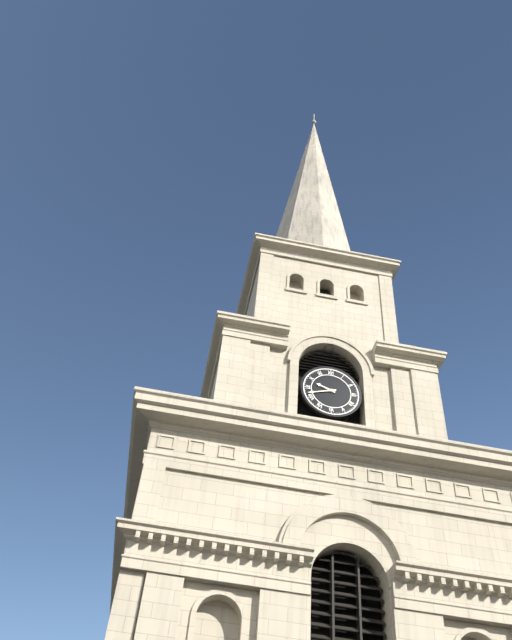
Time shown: 9:42
